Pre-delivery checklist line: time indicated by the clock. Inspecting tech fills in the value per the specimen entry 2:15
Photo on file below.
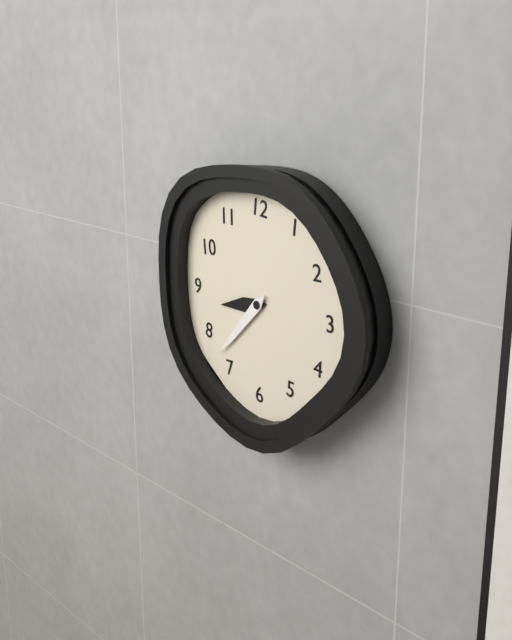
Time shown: 8:37
